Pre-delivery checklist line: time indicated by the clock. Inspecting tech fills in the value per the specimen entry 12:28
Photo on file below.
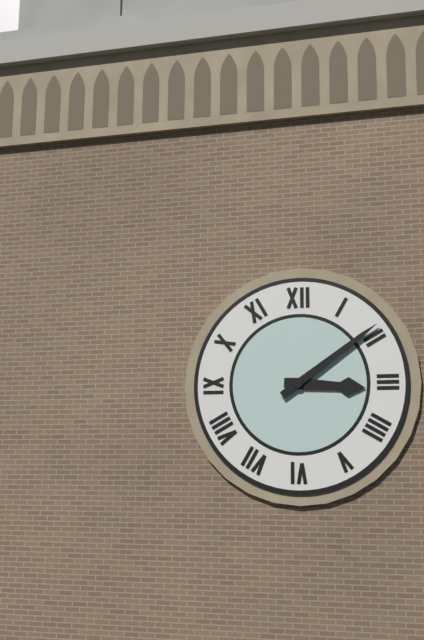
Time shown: 3:09
